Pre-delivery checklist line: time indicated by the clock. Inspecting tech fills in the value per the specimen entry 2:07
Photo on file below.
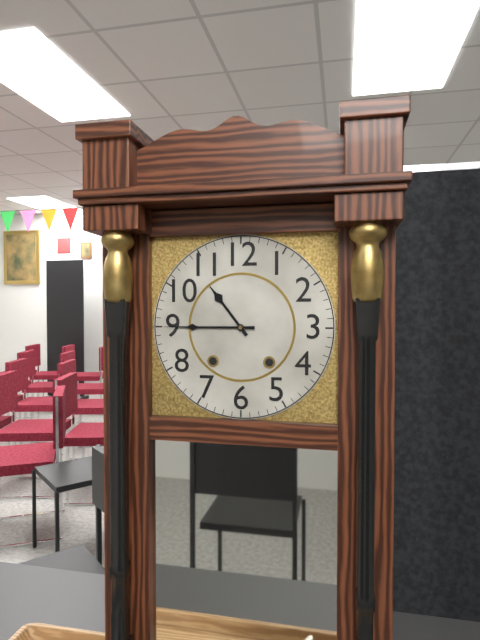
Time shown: 10:45
